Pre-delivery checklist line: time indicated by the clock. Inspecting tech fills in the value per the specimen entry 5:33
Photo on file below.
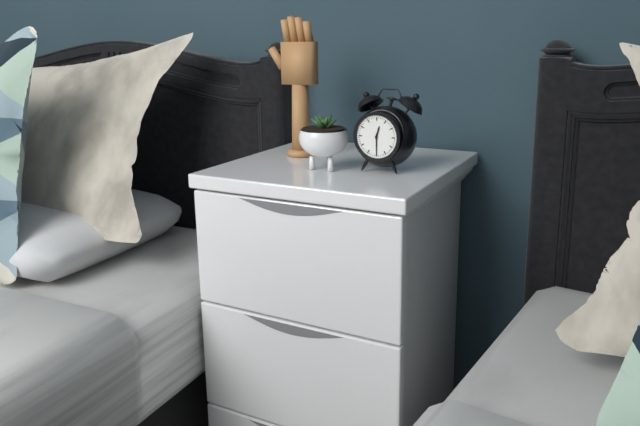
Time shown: 12:30
